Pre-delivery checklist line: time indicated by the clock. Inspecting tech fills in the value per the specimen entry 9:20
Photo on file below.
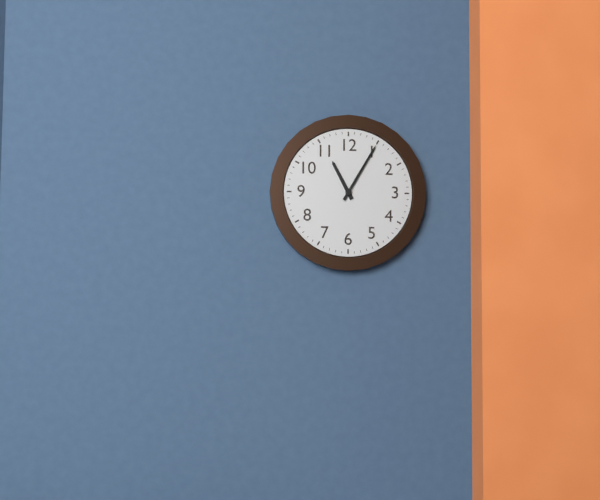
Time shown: 11:05
